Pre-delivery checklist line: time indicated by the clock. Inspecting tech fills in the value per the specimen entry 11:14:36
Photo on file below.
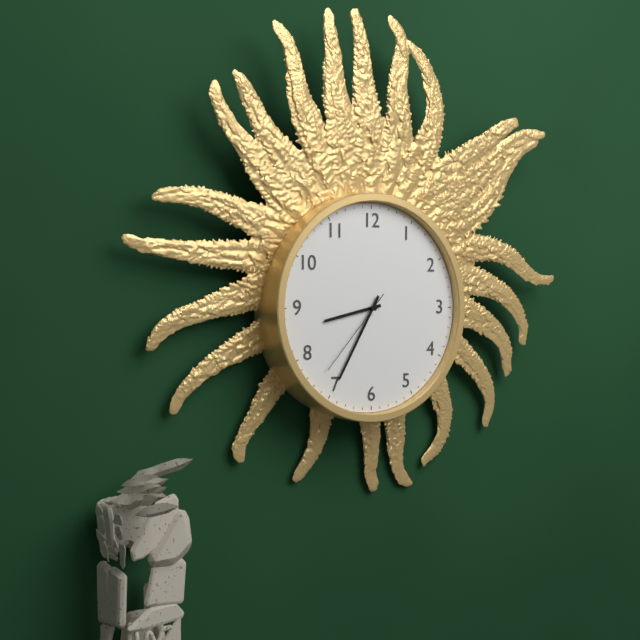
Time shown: 8:35:37
